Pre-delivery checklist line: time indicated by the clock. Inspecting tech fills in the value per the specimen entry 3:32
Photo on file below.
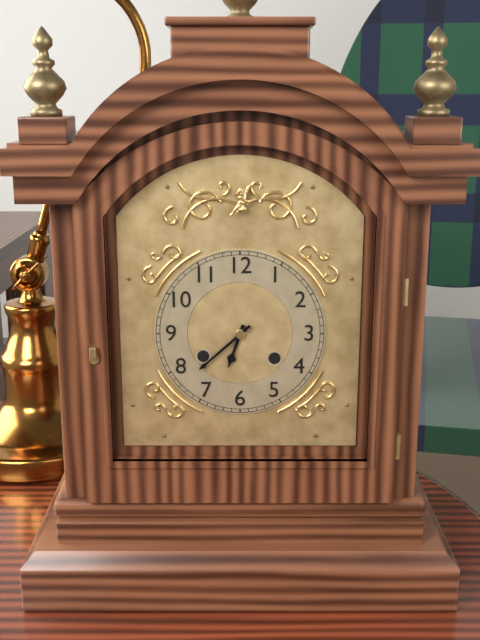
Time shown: 6:38
